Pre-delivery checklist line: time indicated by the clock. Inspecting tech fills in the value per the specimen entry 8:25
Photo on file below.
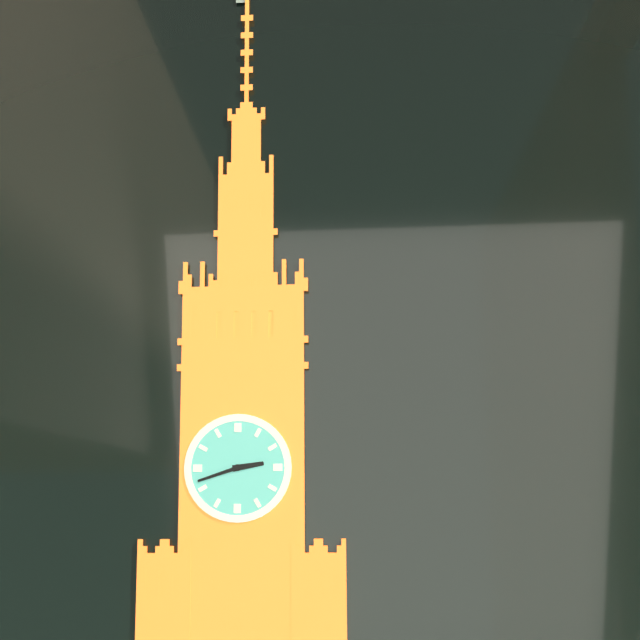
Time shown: 2:42
